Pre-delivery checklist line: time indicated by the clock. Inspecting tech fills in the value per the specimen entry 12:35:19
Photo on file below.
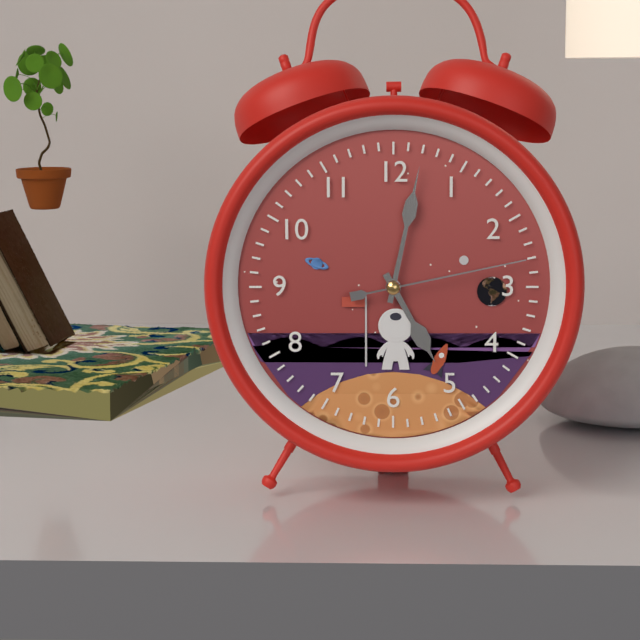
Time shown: 5:02:13
